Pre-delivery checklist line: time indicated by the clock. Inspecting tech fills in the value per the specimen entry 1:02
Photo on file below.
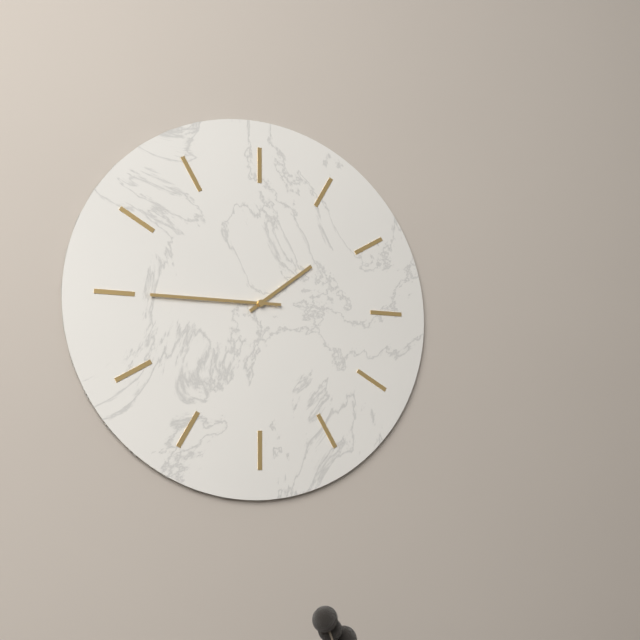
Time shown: 1:45
